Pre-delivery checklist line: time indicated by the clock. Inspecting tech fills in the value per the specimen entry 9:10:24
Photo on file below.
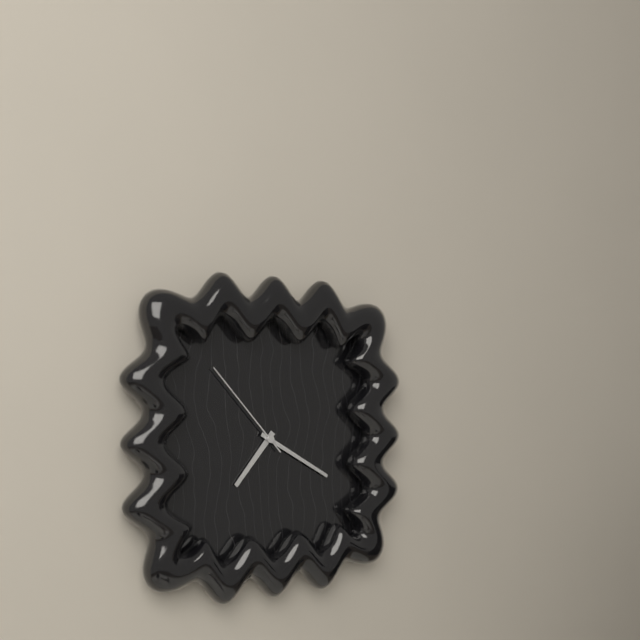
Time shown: 7:20:53
